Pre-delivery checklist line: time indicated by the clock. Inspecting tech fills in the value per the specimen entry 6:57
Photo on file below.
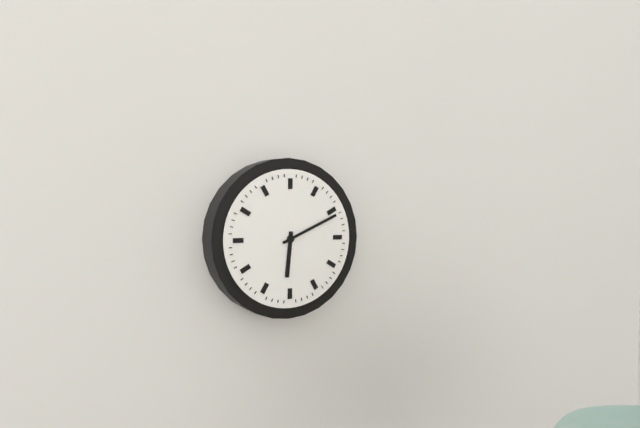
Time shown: 6:11
